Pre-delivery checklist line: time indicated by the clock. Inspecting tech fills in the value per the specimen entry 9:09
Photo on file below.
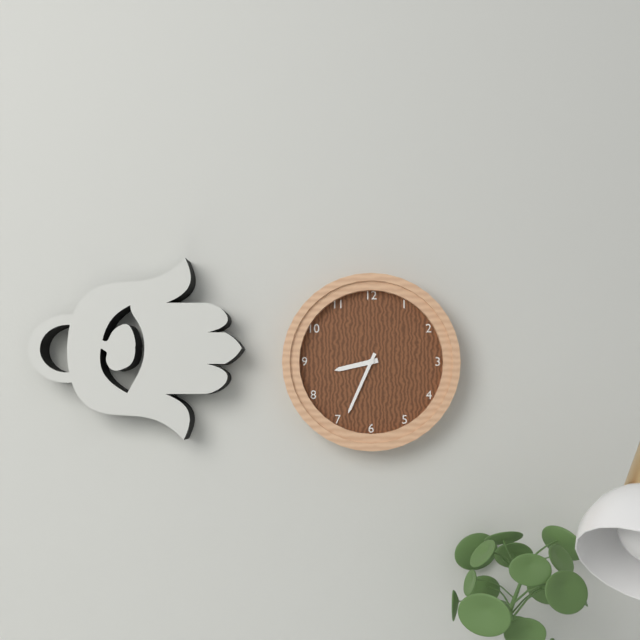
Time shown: 8:34
